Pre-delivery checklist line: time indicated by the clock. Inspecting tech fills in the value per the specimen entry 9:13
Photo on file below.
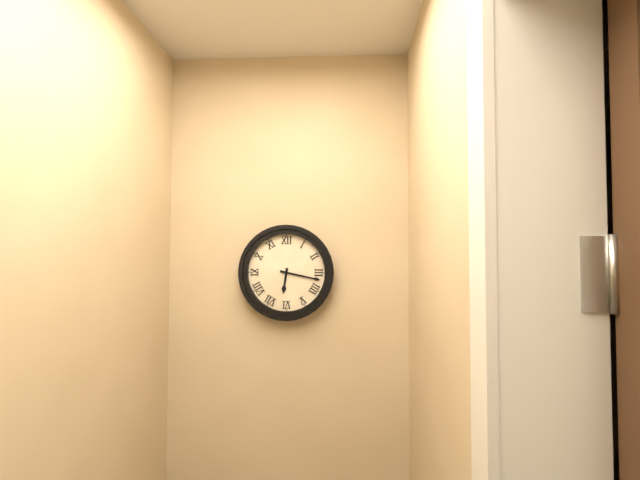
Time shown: 6:17
